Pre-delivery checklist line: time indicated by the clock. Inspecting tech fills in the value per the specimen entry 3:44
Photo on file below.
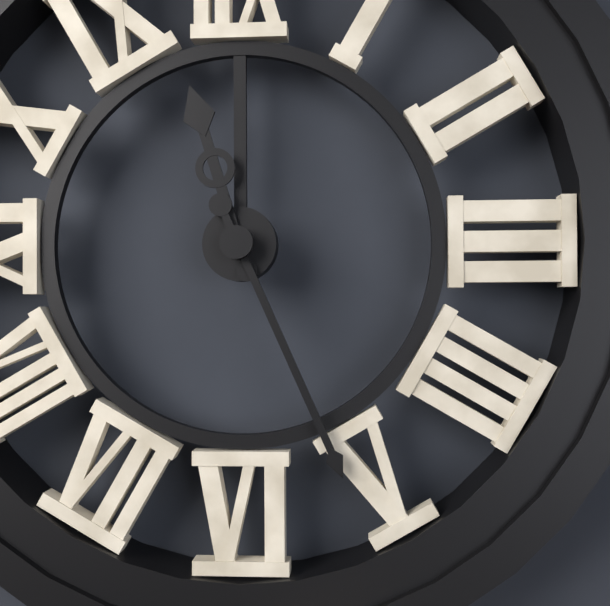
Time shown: 11:26
